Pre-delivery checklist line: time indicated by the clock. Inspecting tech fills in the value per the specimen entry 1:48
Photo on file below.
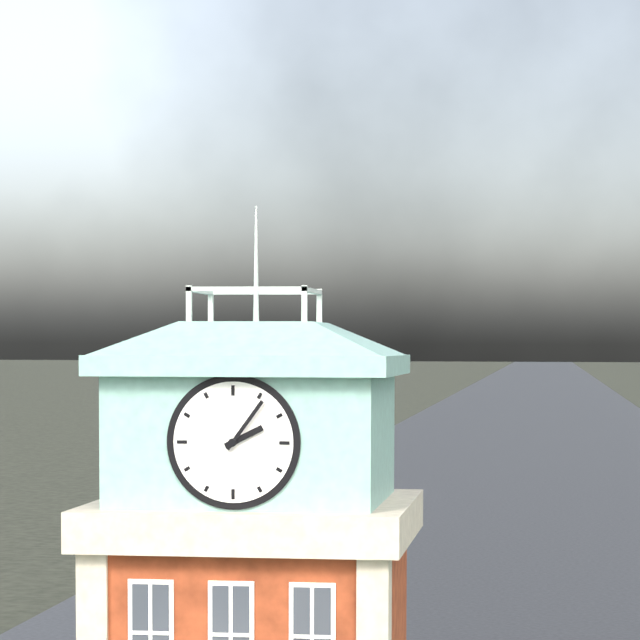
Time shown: 2:06
